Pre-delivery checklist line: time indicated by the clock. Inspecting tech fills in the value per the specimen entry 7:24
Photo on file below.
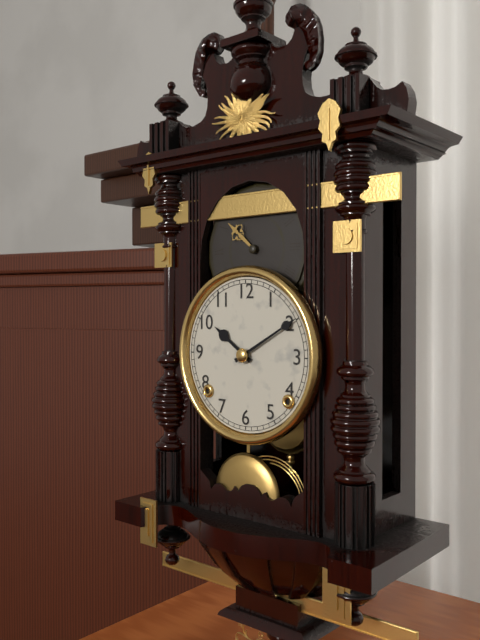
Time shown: 10:10
